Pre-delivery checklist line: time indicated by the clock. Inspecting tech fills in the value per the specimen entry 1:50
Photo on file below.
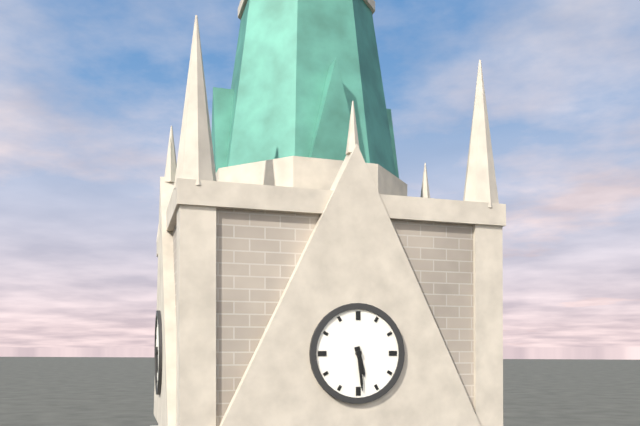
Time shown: 5:29
